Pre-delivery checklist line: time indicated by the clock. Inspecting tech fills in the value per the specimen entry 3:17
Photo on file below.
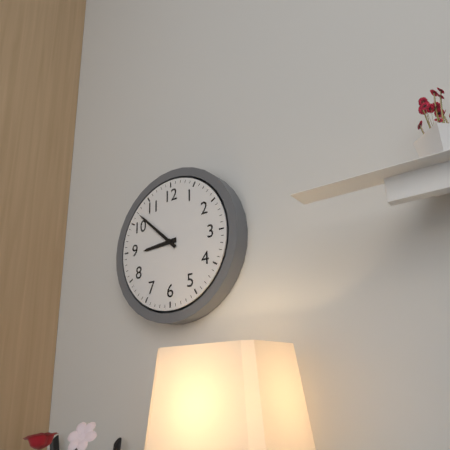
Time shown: 8:52
